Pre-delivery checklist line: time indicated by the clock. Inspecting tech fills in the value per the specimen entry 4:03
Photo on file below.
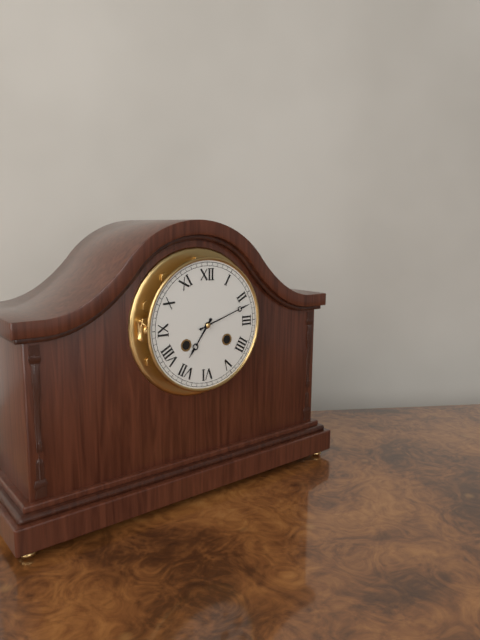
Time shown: 7:12
